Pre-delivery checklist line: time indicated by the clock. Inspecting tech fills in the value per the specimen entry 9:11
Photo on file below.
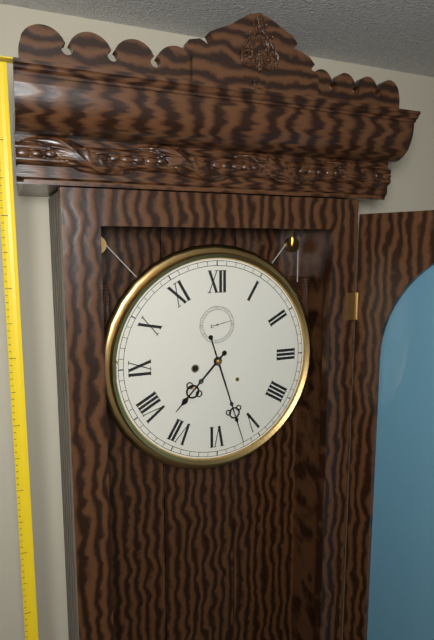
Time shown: 7:27
